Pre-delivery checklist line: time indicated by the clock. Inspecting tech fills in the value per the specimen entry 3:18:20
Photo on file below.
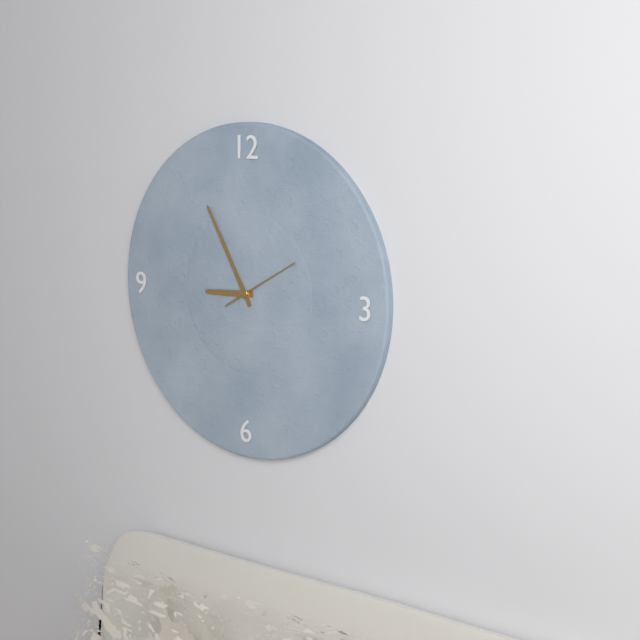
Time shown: 8:55:10
